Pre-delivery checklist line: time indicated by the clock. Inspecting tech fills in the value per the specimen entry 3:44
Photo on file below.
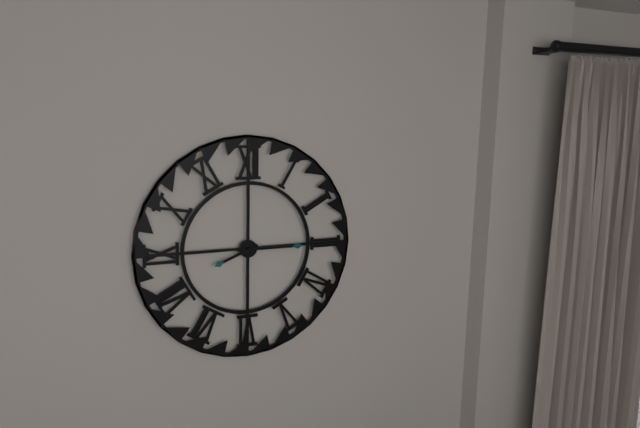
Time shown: 8:15
